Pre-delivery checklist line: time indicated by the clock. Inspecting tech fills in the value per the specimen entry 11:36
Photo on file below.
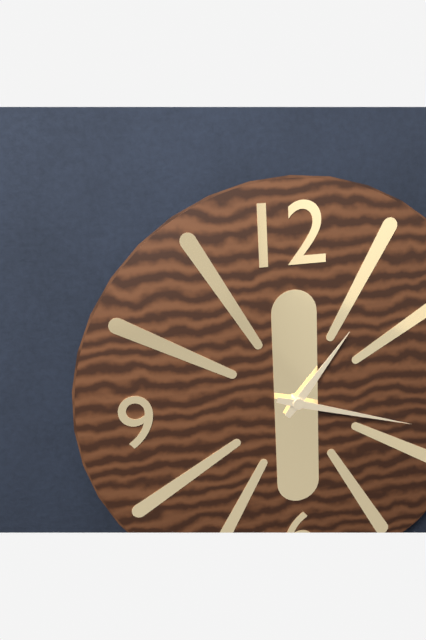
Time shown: 1:18
